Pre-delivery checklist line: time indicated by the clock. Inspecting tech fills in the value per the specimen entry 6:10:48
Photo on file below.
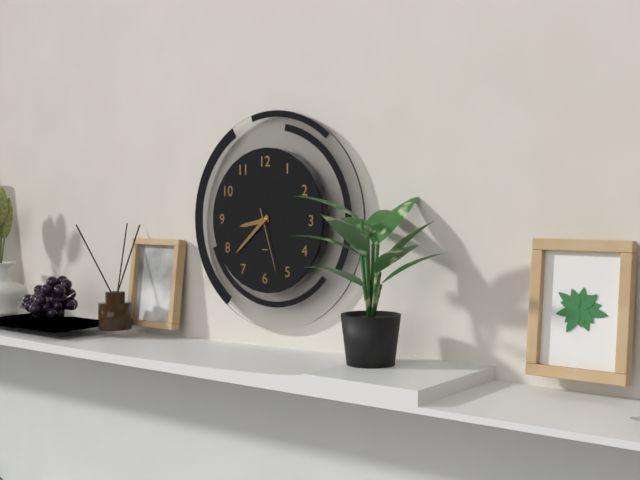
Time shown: 8:38:27
